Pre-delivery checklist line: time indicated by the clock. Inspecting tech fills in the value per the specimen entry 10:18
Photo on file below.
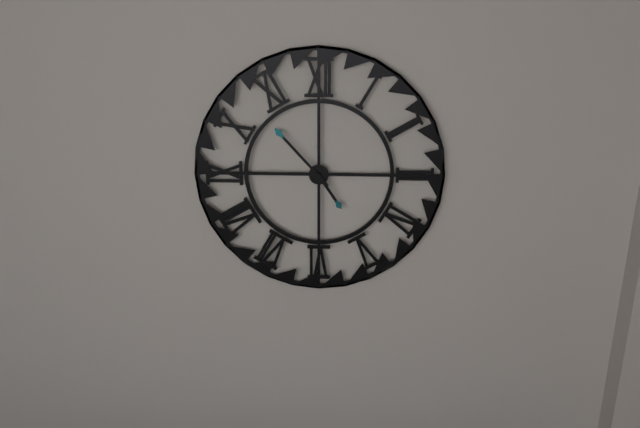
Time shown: 4:53
